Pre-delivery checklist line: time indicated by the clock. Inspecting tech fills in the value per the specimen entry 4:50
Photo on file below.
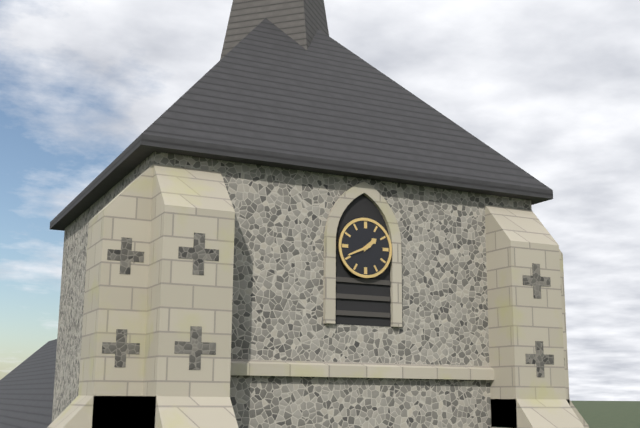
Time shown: 1:41
